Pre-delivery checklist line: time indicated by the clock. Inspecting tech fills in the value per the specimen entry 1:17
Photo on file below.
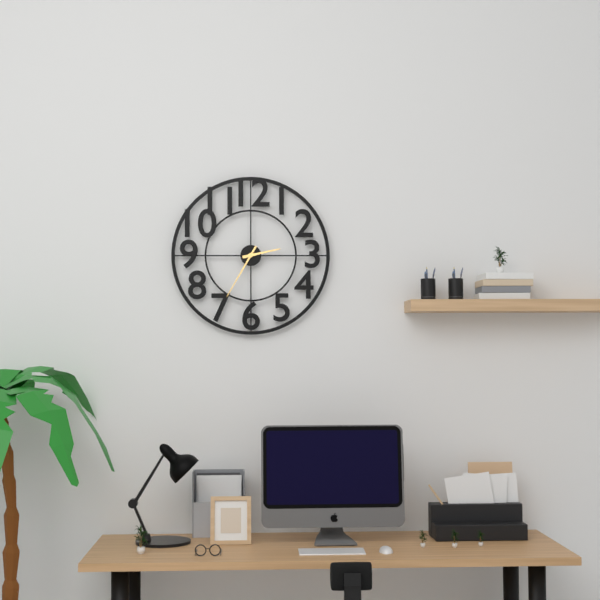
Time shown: 2:35
